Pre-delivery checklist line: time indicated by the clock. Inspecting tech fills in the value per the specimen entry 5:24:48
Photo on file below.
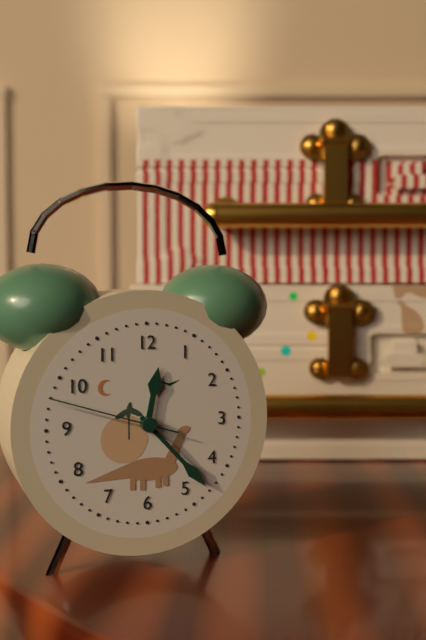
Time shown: 12:23:48
